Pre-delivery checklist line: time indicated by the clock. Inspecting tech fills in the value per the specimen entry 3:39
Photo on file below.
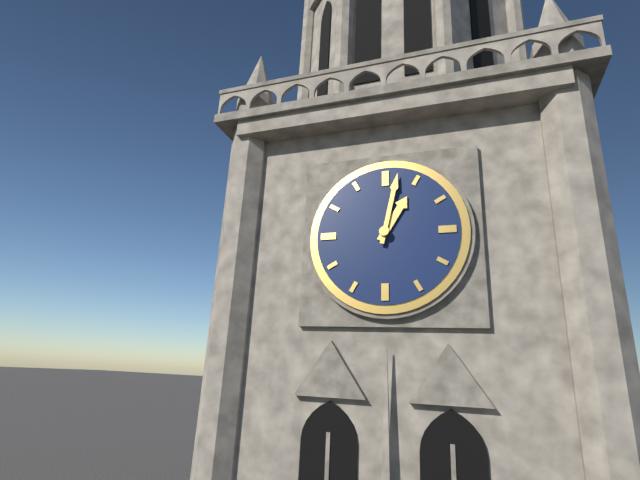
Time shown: 1:02
